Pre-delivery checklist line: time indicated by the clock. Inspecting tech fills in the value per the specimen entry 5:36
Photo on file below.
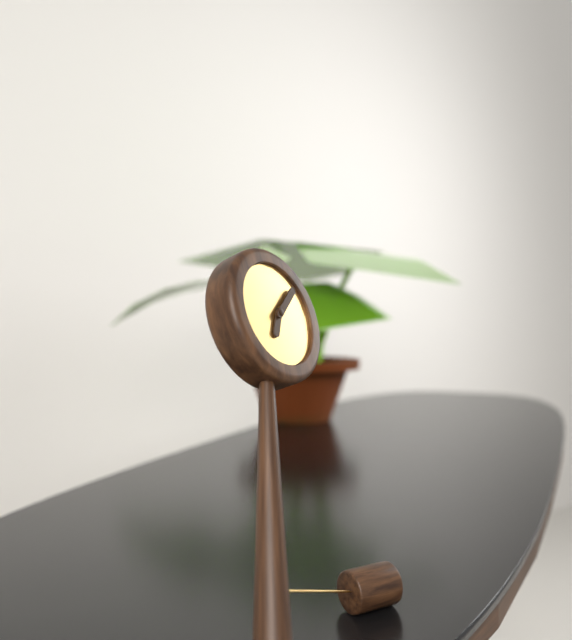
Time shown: 7:09
